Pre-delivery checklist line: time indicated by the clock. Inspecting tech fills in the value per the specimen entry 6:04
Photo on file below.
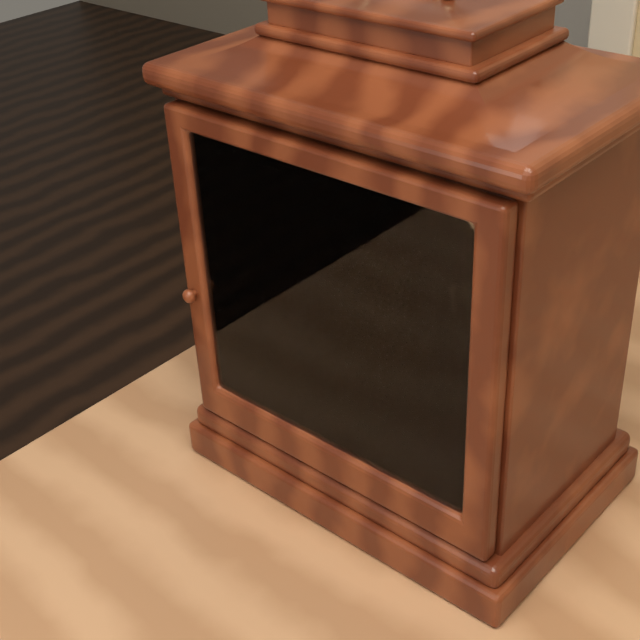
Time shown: 11:44
